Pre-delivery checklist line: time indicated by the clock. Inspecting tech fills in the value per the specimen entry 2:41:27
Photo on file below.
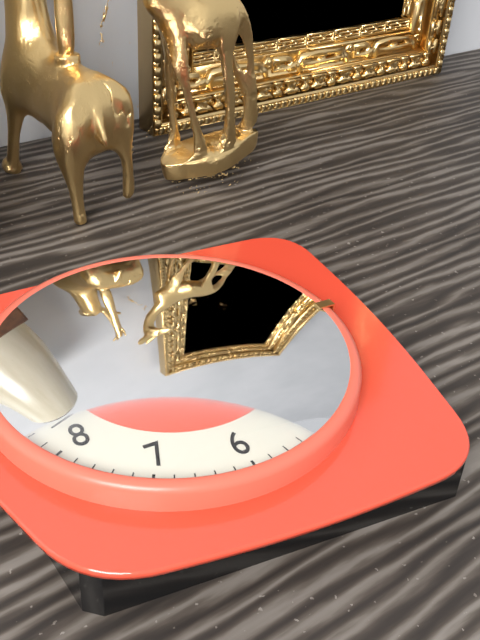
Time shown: 2:19:41
